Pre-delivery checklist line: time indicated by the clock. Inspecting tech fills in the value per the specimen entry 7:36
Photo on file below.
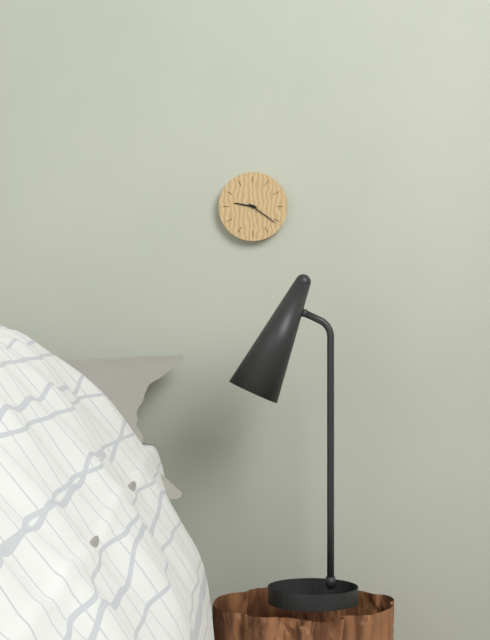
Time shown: 9:21
